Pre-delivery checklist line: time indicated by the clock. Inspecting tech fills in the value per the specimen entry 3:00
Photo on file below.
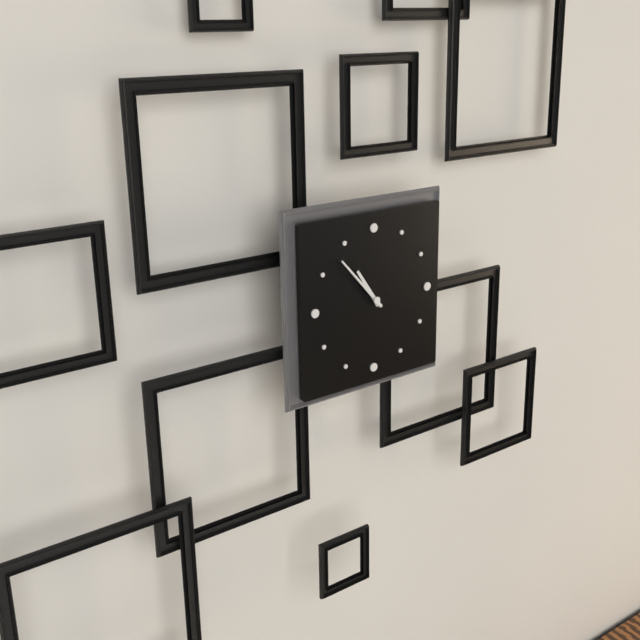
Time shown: 10:53
